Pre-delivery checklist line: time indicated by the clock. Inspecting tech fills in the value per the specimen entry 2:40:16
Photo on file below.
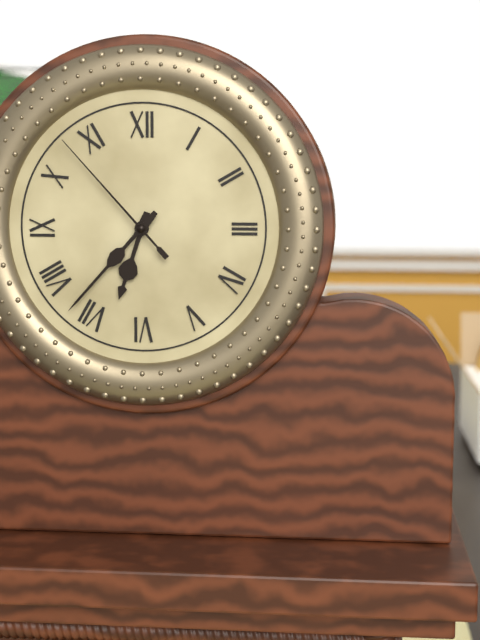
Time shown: 6:37:53
